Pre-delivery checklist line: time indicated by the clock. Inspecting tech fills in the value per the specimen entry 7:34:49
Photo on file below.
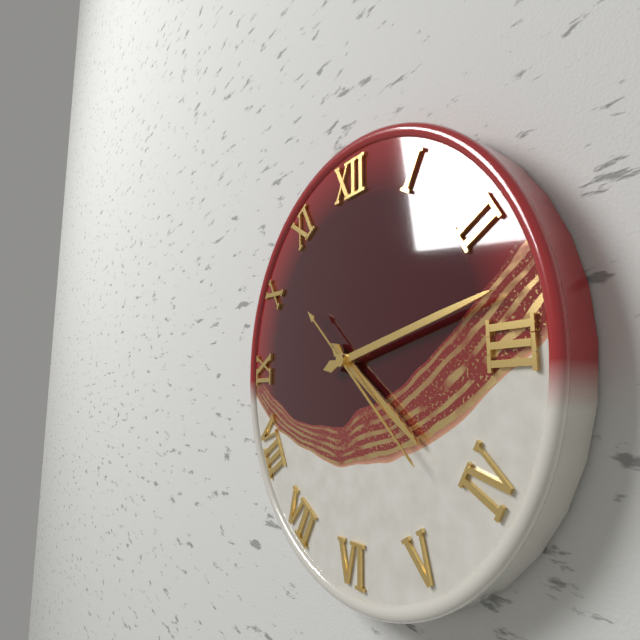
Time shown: 4:13:22
